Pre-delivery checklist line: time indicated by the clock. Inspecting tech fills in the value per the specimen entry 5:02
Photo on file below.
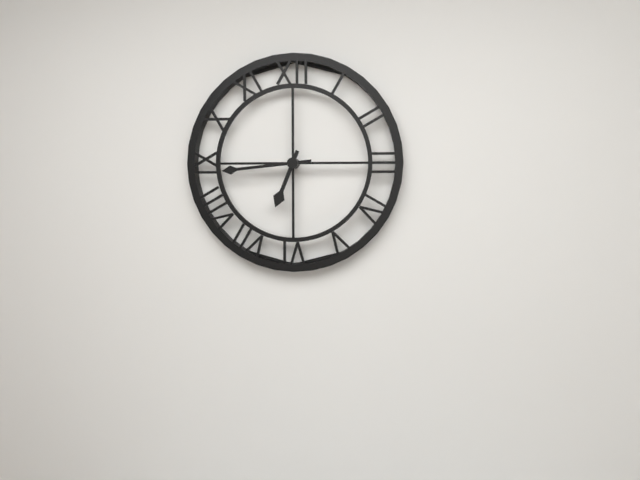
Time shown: 6:44
